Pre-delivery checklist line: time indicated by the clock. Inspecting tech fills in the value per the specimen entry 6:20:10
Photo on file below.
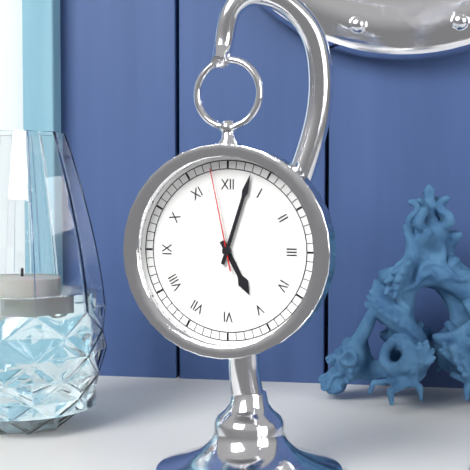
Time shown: 5:03:58
